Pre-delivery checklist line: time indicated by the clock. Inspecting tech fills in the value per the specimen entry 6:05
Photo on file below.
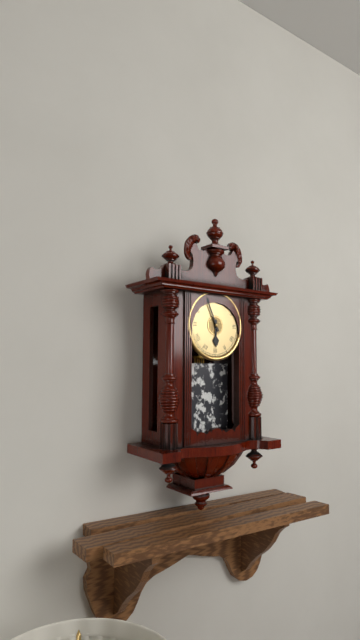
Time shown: 5:56
